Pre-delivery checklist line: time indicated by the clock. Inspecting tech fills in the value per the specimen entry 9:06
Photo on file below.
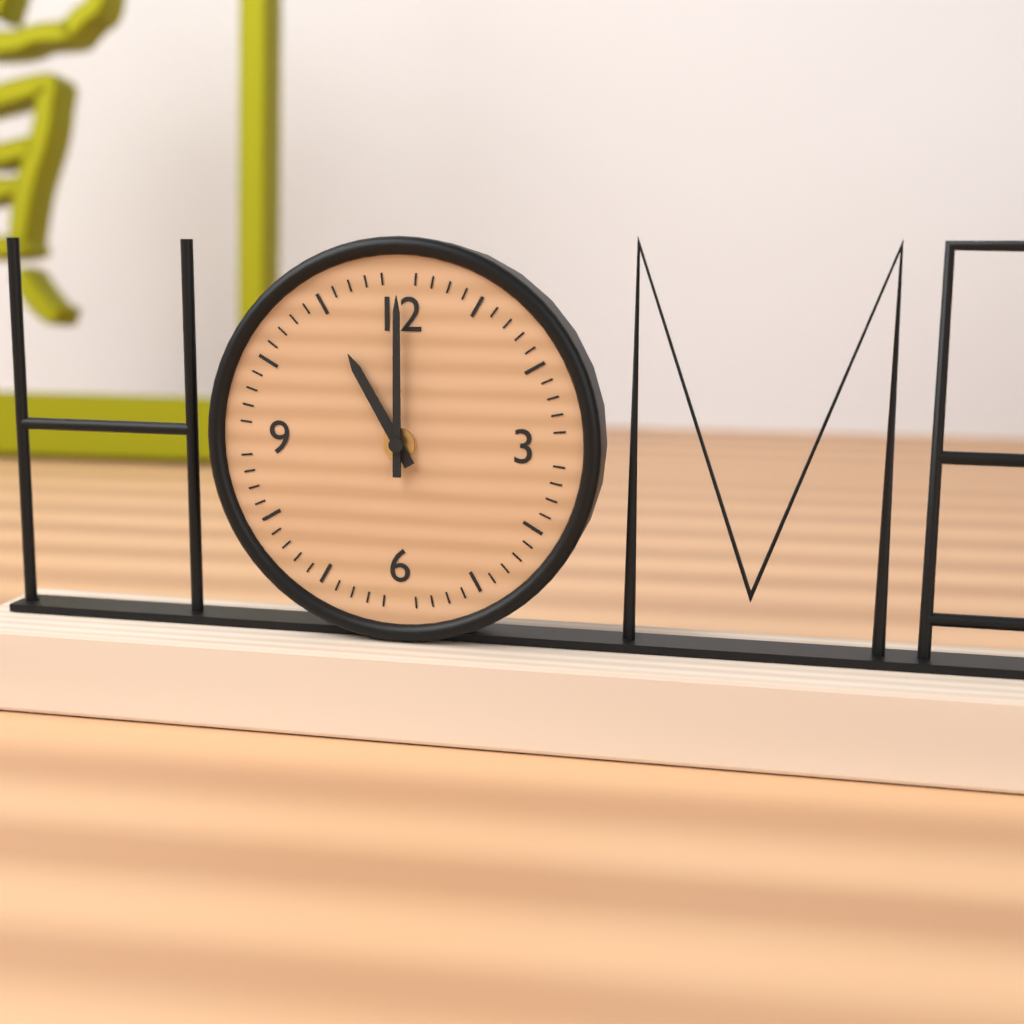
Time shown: 11:00
